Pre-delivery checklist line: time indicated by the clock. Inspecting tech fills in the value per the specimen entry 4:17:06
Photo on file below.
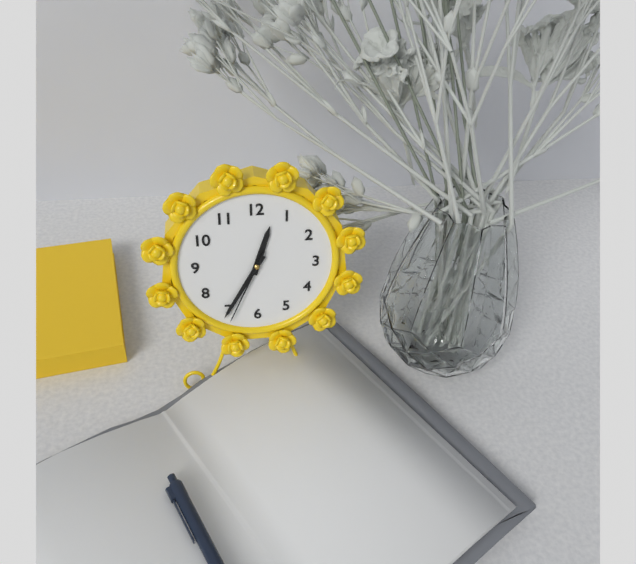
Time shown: 12:35:34
